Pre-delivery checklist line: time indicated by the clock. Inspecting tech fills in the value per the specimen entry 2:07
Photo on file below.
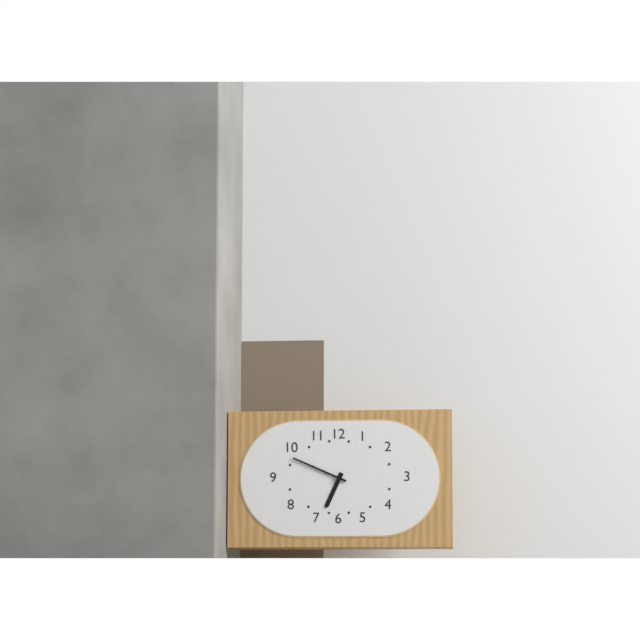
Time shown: 6:49
